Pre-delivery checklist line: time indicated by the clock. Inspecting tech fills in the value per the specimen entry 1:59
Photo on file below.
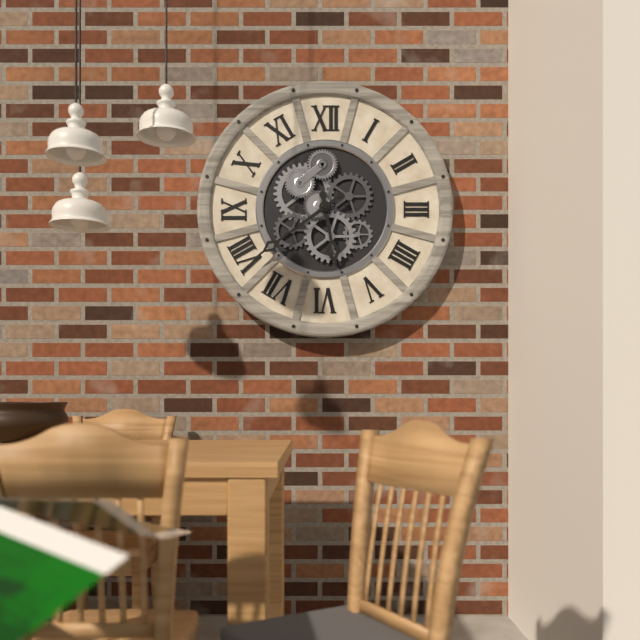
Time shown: 5:39
